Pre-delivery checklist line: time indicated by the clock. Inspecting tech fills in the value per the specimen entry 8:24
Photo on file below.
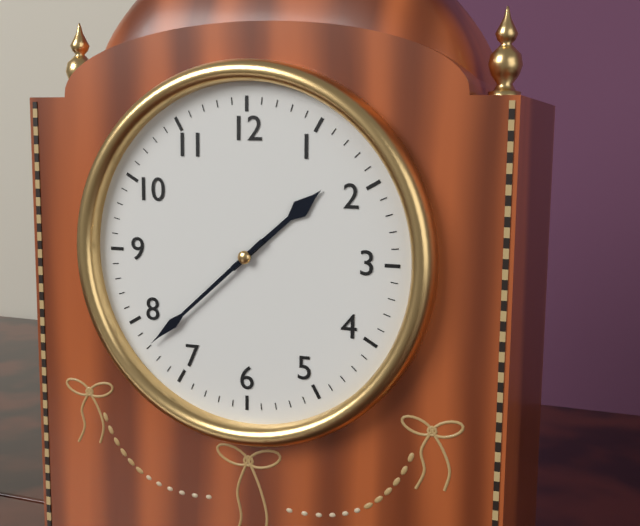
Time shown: 1:38
